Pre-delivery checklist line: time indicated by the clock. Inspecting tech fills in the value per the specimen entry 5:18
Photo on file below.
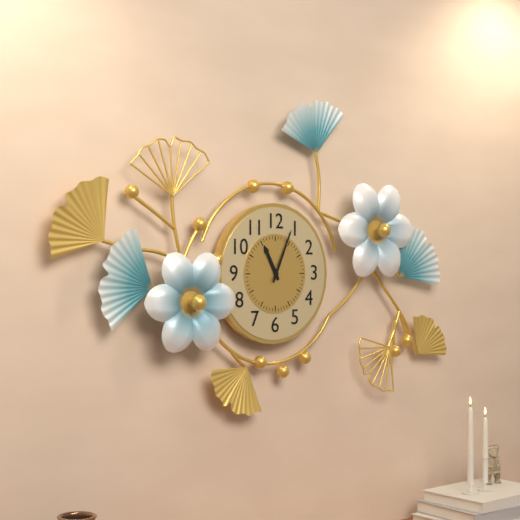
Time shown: 11:04
